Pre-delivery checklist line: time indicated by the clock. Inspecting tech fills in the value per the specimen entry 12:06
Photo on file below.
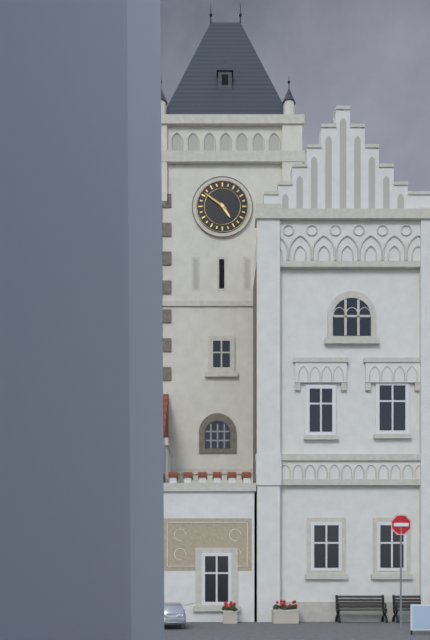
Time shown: 4:51
